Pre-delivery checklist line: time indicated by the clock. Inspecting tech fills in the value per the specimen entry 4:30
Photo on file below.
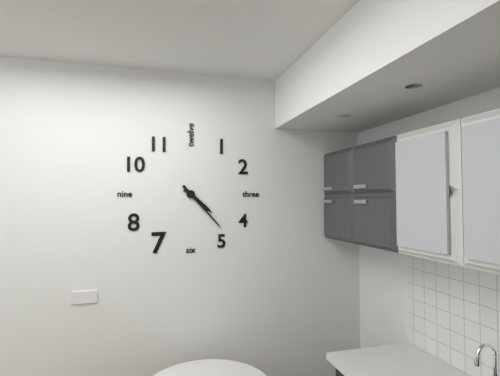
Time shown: 4:23
